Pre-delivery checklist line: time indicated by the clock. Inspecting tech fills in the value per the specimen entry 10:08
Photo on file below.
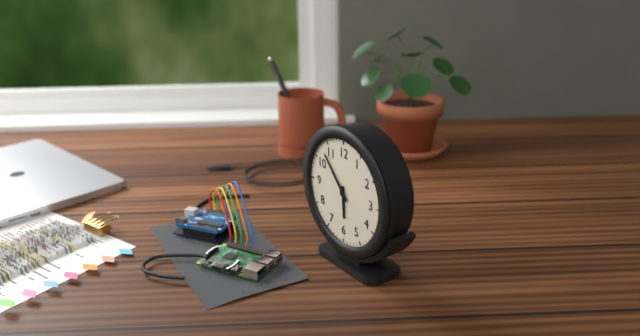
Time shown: 5:53
